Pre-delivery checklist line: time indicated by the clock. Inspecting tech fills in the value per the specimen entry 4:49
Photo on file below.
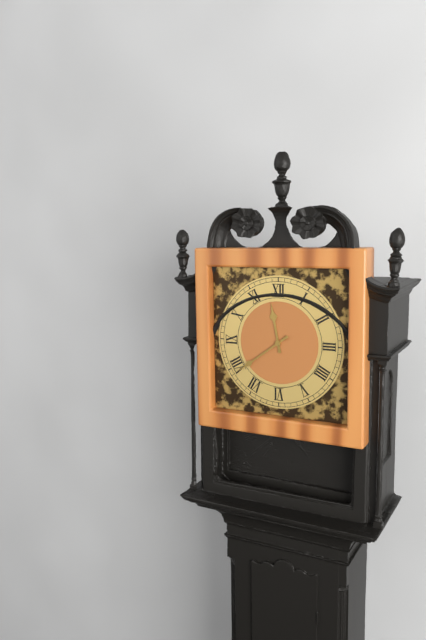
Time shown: 11:39
